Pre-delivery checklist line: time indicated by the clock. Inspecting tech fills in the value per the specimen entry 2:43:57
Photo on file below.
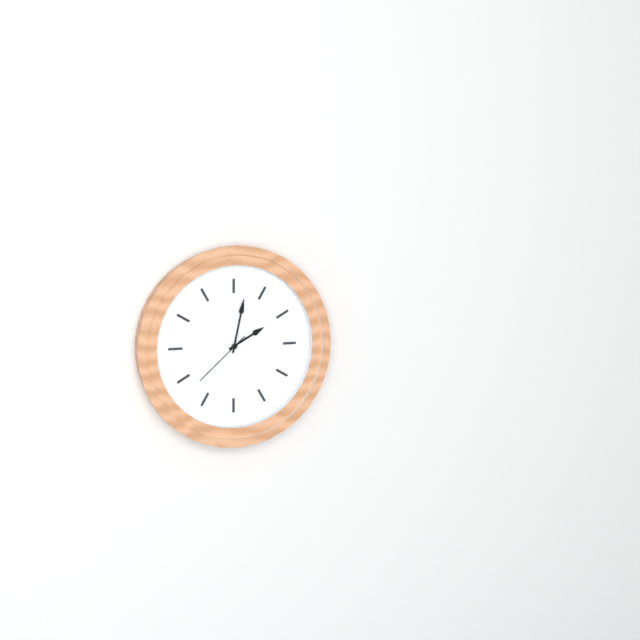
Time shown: 2:02:38
